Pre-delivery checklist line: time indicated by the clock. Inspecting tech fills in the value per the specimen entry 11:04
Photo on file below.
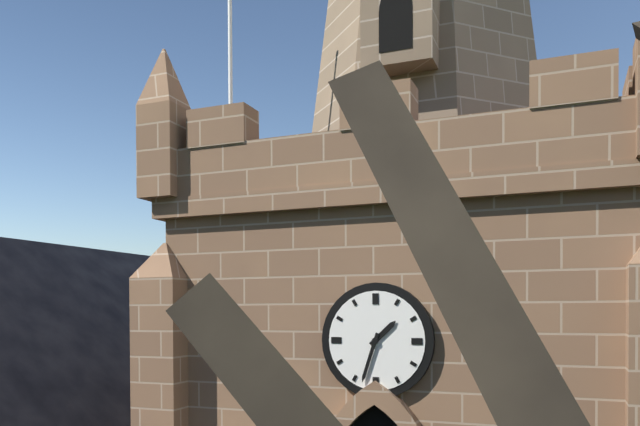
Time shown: 1:33
